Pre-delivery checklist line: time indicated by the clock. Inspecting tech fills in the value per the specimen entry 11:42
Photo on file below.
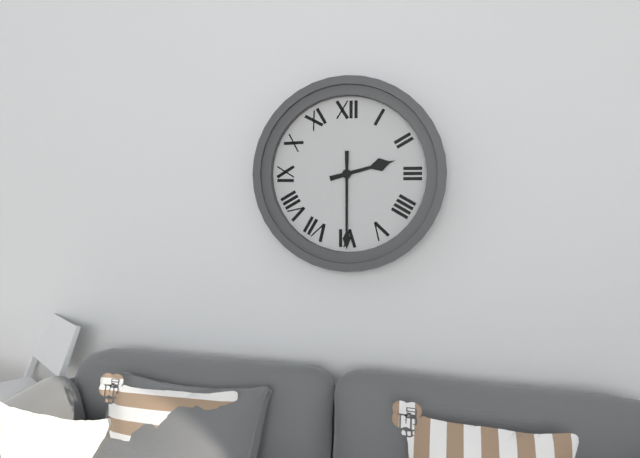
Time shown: 2:30
